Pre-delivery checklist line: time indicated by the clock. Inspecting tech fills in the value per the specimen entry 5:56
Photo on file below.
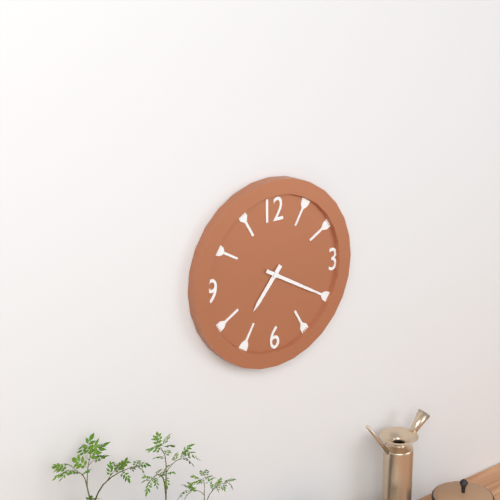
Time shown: 7:20
